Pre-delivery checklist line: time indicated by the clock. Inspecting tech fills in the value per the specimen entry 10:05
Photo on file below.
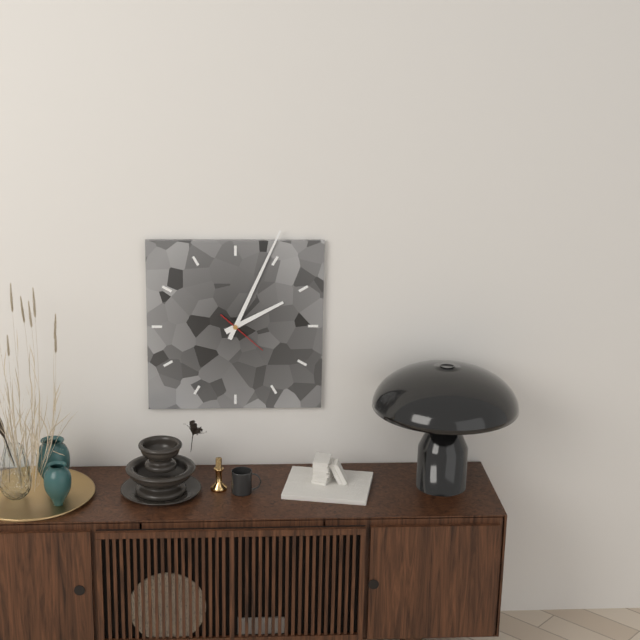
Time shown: 2:04
